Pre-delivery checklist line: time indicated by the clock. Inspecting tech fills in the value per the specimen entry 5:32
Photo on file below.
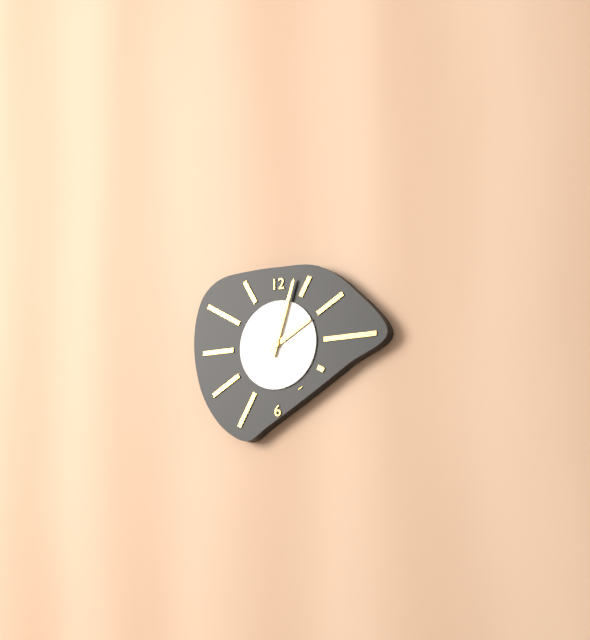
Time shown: 2:03
